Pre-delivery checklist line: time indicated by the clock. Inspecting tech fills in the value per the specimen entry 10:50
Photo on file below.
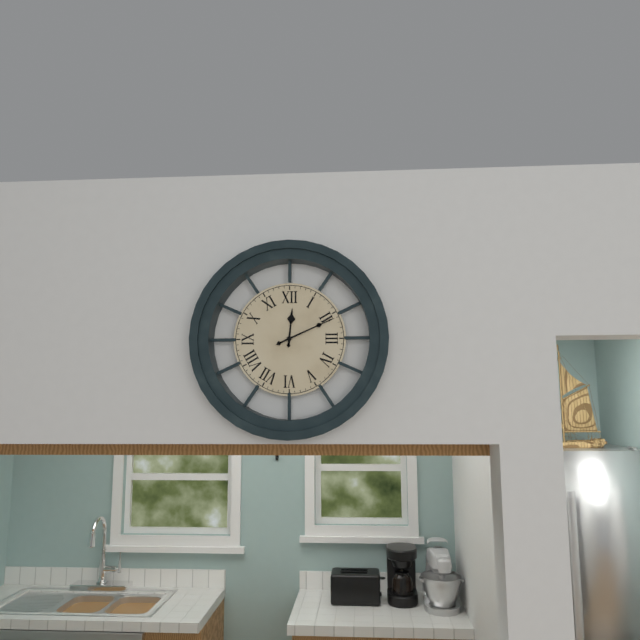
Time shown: 12:11
